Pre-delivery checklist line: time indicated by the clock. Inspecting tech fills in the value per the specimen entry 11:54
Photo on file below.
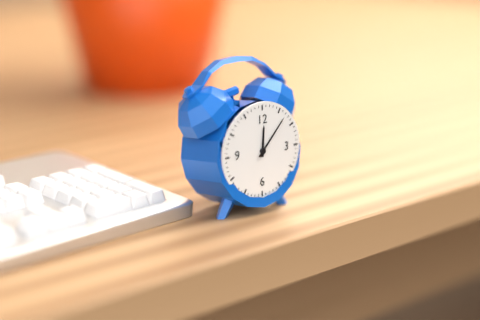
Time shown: 12:07
